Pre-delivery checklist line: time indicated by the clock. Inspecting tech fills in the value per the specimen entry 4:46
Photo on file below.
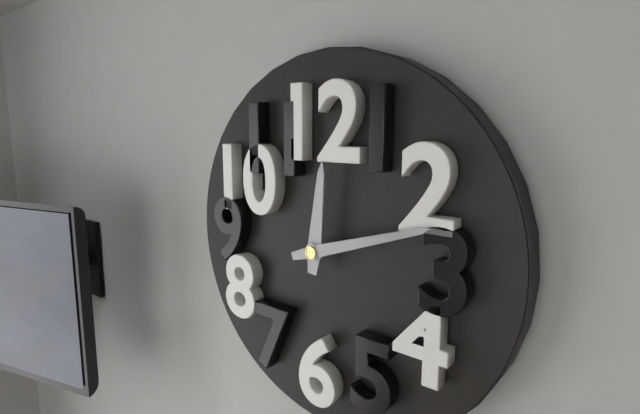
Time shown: 12:12
